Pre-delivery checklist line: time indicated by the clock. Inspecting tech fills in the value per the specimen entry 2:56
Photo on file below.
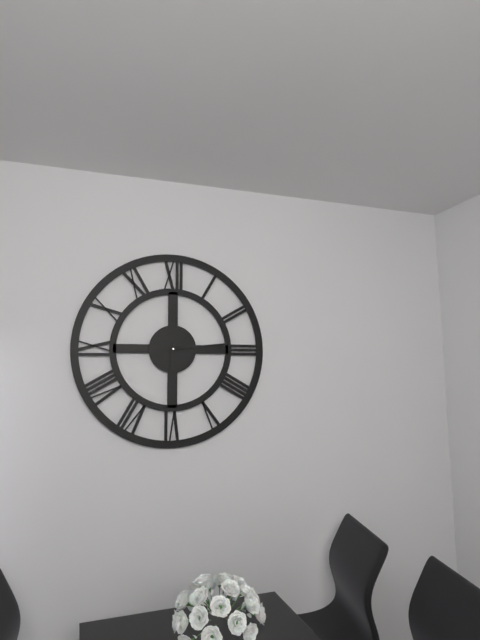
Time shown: 6:14
